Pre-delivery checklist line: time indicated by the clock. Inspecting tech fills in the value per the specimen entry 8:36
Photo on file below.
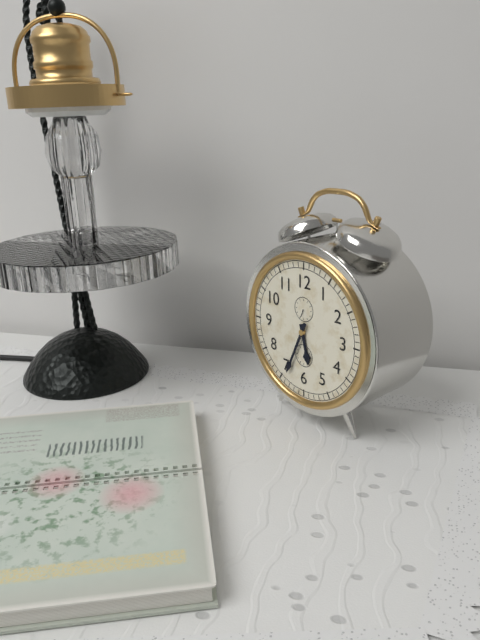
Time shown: 5:34
